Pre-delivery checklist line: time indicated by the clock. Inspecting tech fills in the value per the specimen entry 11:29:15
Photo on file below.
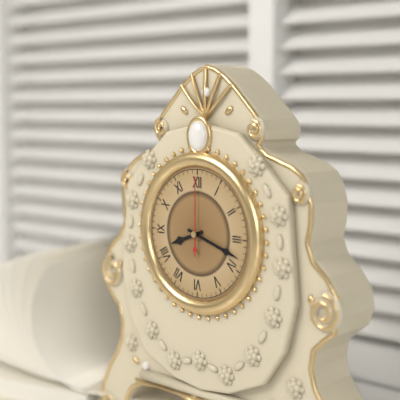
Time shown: 8:18:00
